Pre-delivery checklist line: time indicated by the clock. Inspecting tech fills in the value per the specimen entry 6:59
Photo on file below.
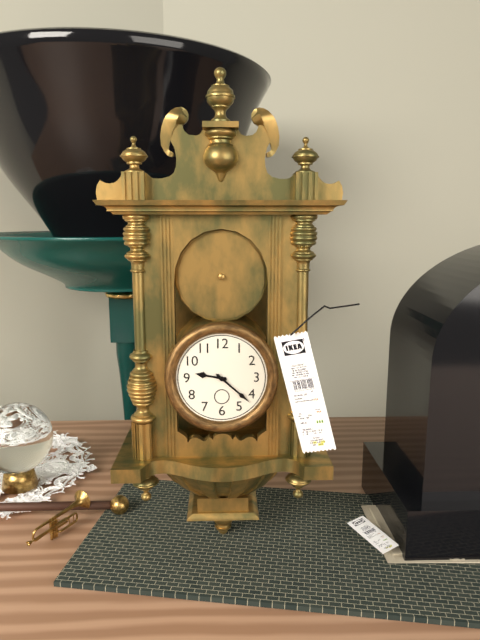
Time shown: 9:22
